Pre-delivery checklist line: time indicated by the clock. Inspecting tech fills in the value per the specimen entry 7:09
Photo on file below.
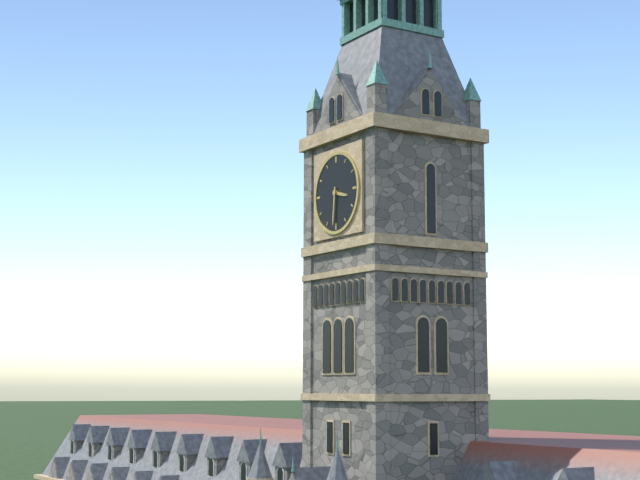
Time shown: 3:31
